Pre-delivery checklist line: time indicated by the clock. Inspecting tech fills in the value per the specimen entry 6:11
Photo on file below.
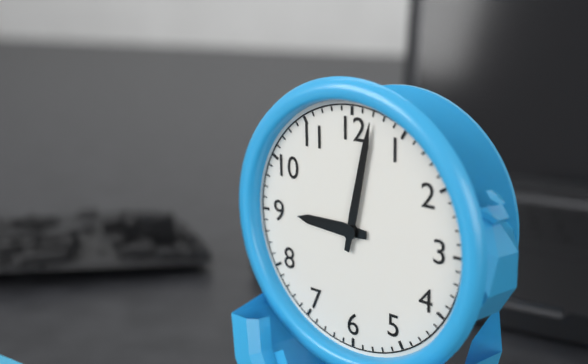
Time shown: 9:02
